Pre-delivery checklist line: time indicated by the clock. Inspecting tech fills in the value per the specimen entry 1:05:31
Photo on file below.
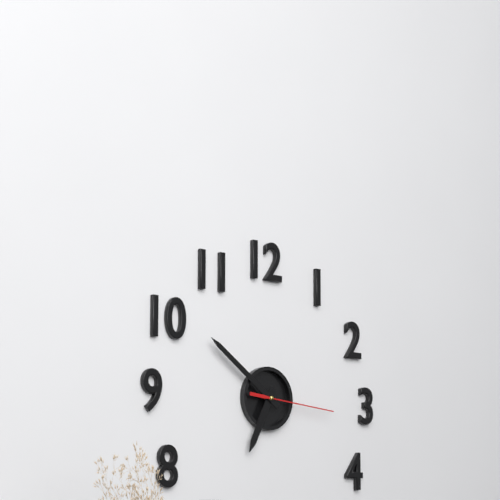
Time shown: 6:51:16
